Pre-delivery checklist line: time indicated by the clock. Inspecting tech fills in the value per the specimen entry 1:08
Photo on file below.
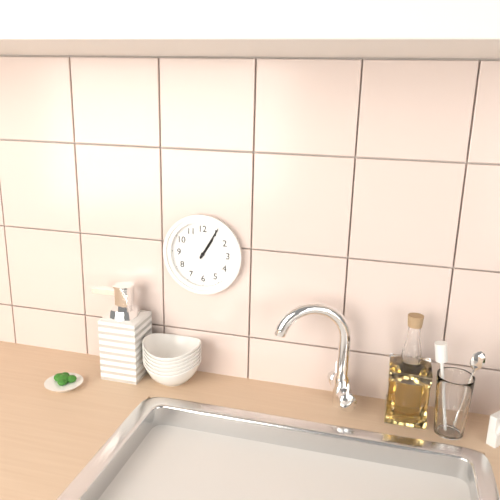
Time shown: 1:05
